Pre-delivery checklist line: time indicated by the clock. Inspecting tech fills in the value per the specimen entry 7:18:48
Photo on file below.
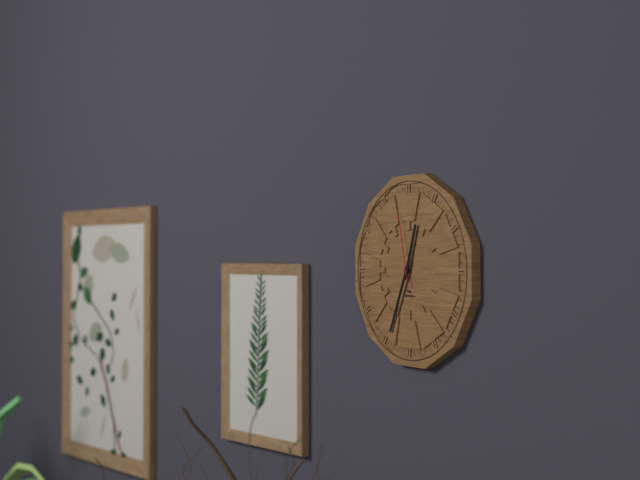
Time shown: 12:34:58
